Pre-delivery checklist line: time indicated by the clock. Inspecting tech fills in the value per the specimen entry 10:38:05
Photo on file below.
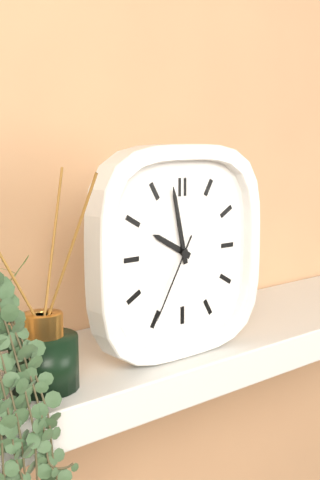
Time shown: 9:58:35
